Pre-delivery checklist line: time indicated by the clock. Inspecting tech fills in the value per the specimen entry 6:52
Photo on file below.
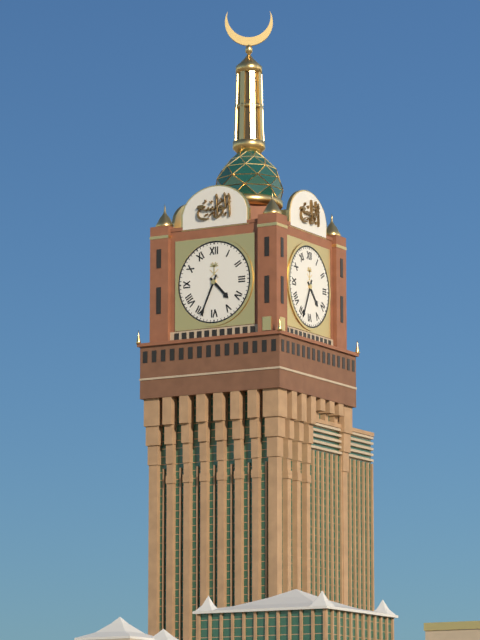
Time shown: 4:34
